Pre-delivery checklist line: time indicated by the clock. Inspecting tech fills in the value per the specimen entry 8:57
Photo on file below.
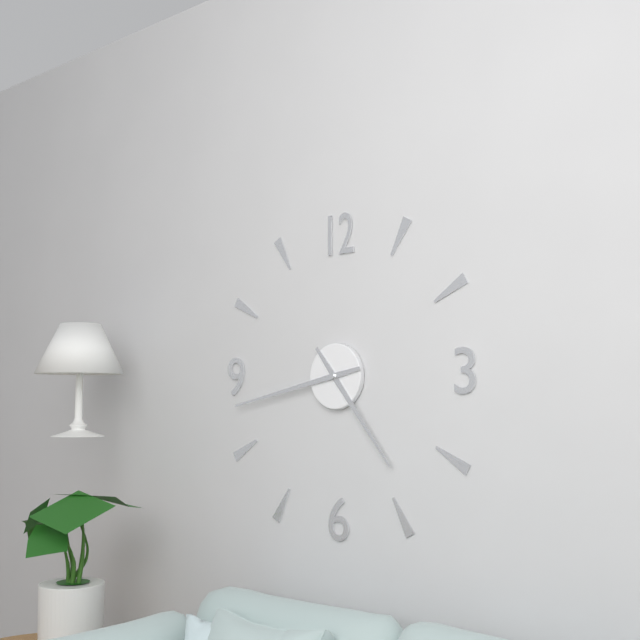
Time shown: 4:43
